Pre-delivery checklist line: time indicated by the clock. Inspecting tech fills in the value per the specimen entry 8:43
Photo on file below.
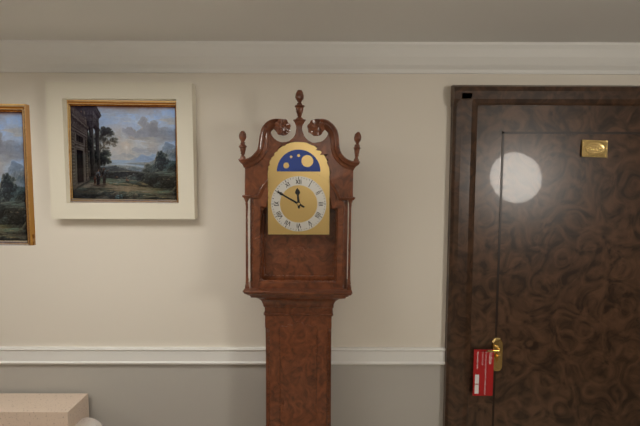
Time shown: 11:50
